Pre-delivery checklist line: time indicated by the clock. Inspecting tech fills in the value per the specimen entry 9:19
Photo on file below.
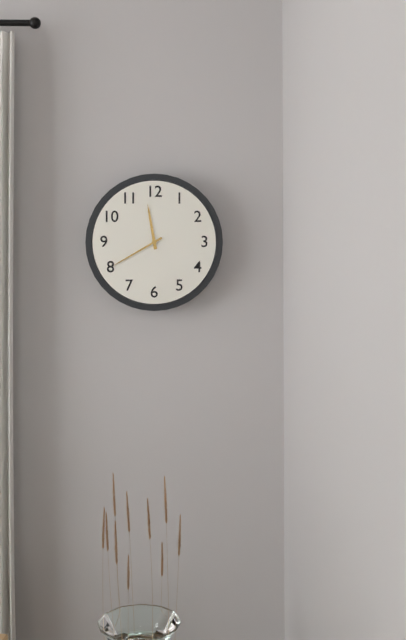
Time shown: 11:40
